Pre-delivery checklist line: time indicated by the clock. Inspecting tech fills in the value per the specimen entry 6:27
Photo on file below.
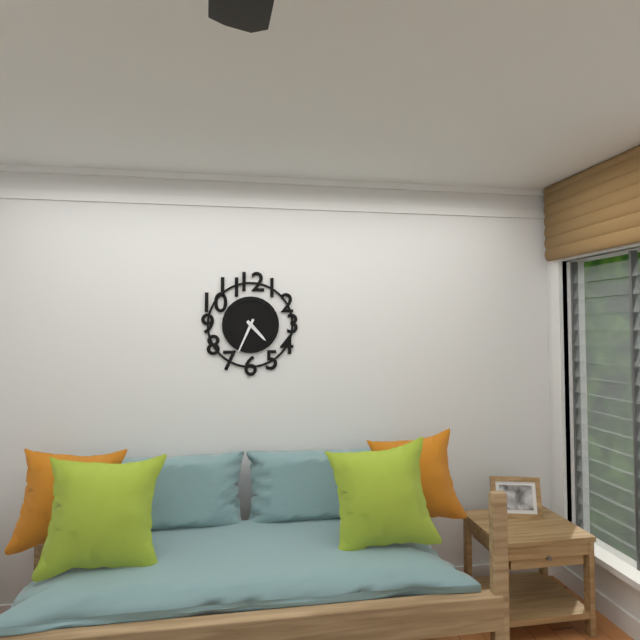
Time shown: 4:34
